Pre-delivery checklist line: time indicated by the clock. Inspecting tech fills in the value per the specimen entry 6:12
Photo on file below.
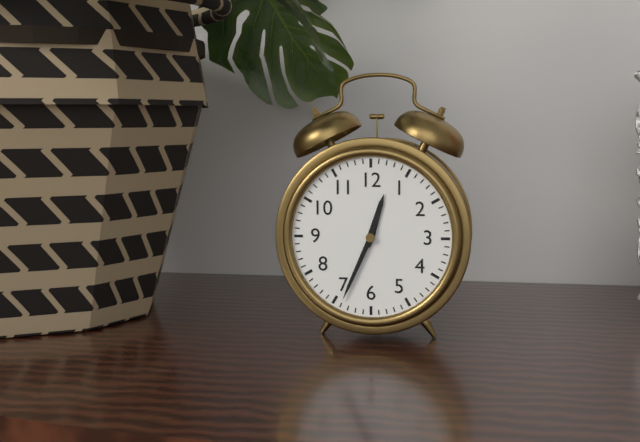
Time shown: 12:34
